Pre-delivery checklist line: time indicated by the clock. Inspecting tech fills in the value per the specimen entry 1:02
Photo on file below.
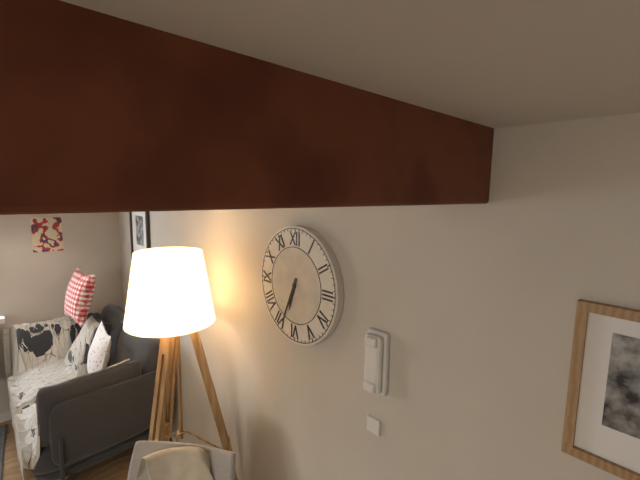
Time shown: 6:34
